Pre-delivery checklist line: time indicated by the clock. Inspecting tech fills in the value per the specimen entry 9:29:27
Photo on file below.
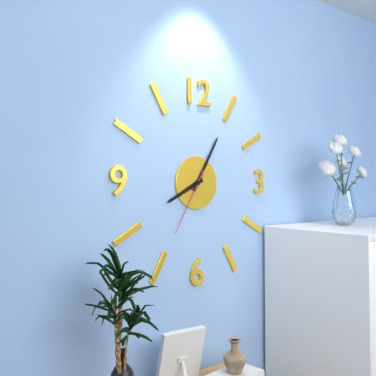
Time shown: 8:05:35
